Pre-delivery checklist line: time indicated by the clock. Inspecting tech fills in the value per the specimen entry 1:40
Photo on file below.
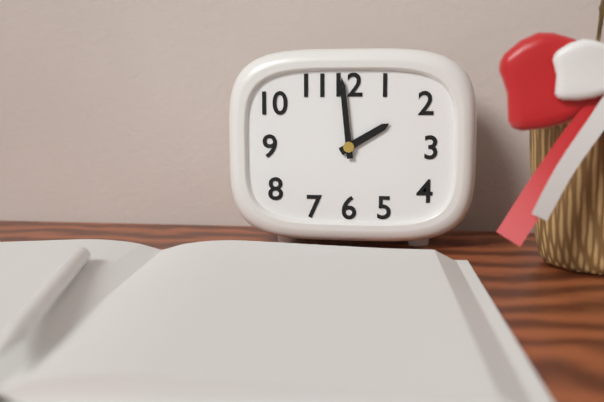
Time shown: 1:59
